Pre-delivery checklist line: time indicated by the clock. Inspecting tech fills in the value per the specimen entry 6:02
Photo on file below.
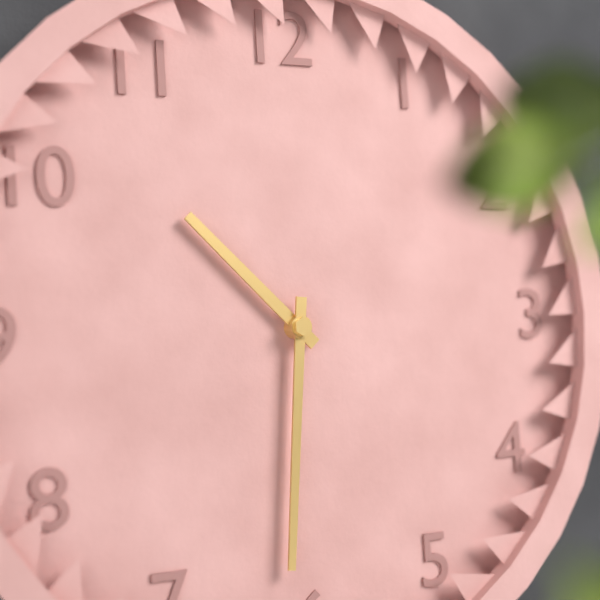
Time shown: 10:31
